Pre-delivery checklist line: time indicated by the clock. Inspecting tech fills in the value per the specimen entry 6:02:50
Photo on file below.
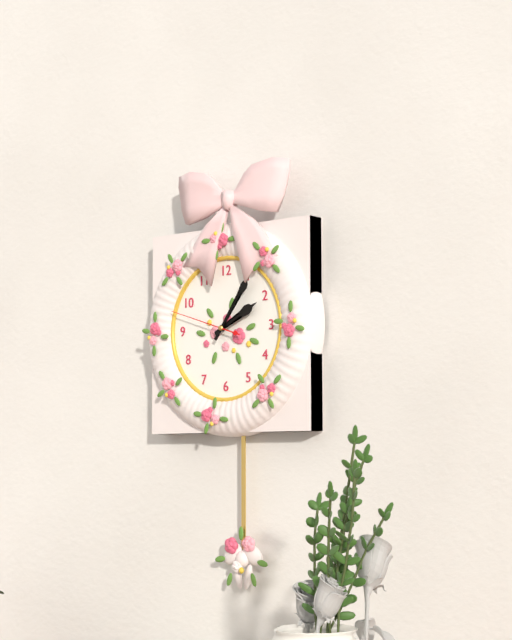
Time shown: 2:06:48
